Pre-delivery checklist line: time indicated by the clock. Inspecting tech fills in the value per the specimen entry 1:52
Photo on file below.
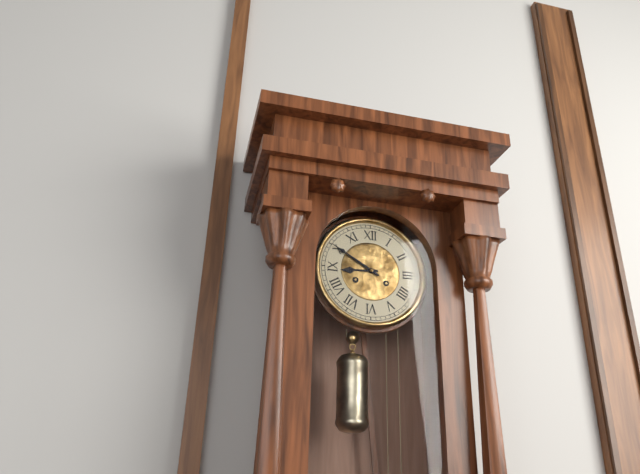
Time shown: 8:50
